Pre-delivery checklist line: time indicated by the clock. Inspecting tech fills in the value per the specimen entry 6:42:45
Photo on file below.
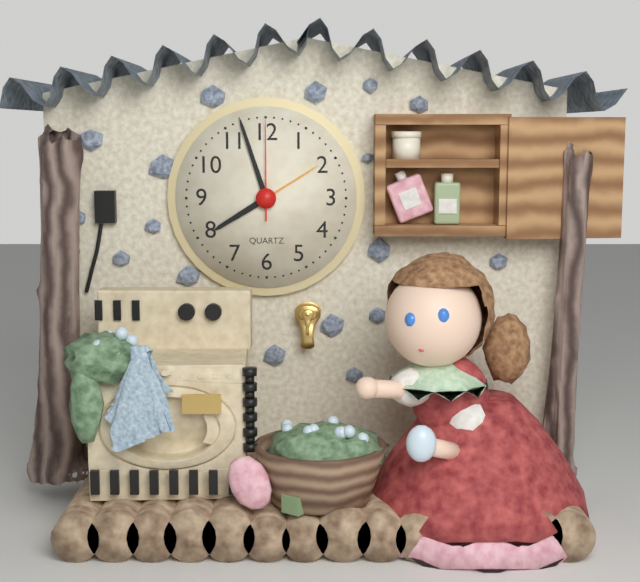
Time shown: 7:57:00
